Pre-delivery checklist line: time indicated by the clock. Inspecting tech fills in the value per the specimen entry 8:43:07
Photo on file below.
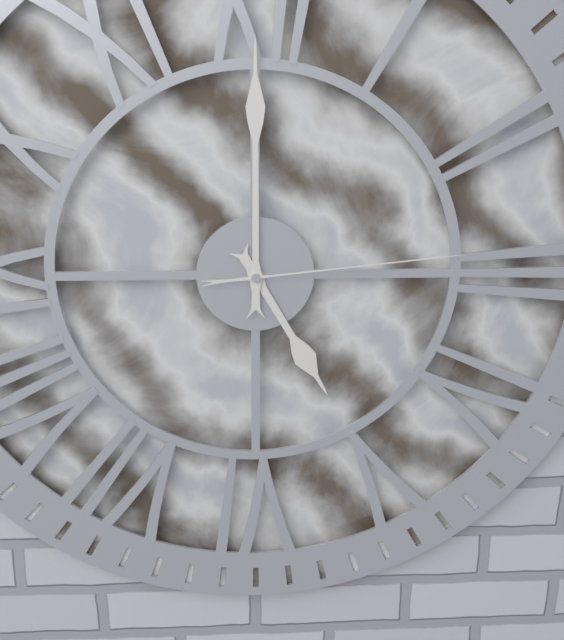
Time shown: 5:00:14
